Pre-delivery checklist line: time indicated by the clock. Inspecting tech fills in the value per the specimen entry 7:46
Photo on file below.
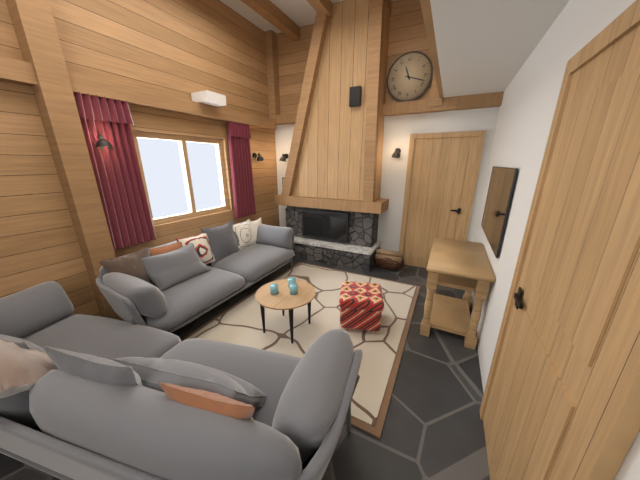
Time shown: 11:18
